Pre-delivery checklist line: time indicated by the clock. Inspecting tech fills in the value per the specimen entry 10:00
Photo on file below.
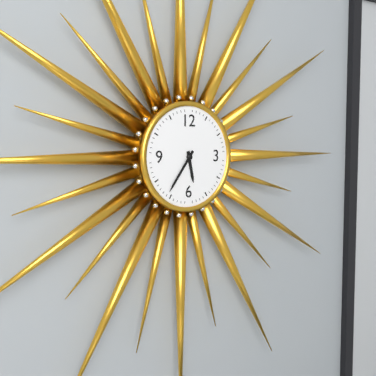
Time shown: 5:36
